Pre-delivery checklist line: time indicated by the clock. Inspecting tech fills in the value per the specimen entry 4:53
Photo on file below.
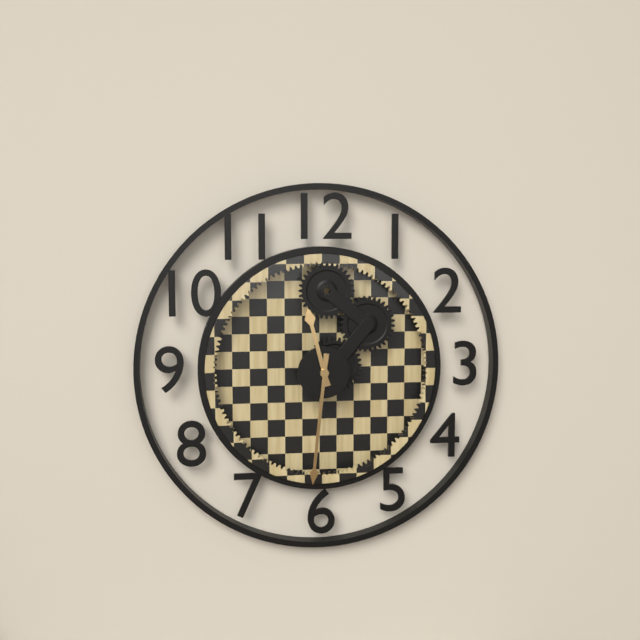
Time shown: 11:31
